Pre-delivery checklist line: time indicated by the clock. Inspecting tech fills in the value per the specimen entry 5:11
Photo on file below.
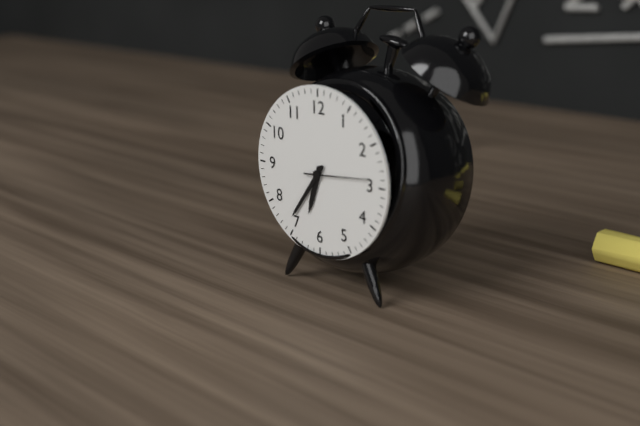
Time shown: 6:36
